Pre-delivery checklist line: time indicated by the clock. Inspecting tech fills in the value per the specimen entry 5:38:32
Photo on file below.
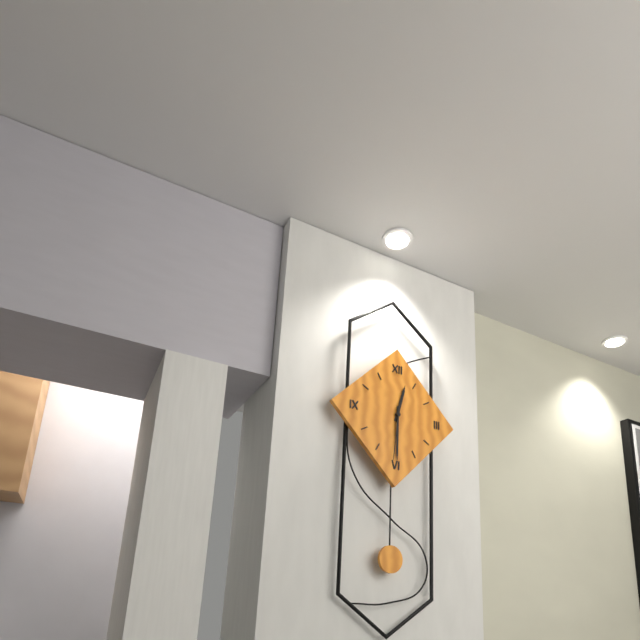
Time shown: 12:30:31
